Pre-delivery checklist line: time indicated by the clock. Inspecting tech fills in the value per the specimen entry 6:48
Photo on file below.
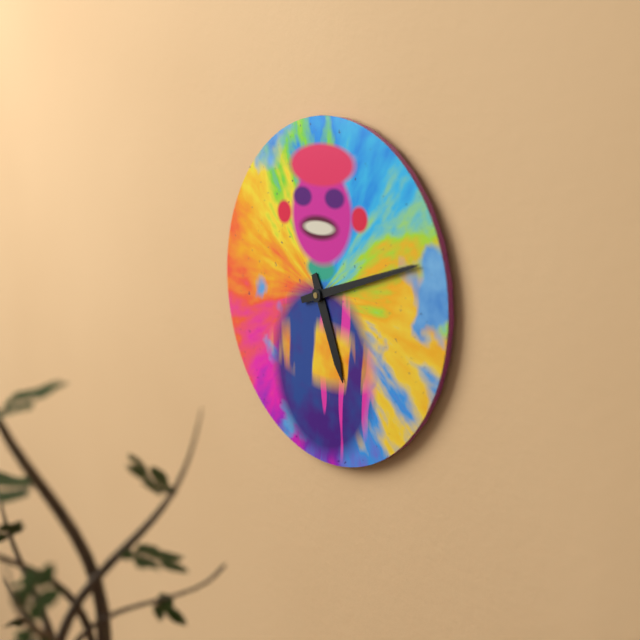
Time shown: 5:12
